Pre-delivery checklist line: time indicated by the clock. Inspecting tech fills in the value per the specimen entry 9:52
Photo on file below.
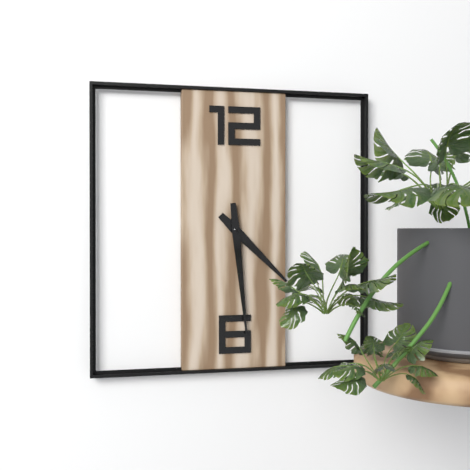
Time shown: 4:29
